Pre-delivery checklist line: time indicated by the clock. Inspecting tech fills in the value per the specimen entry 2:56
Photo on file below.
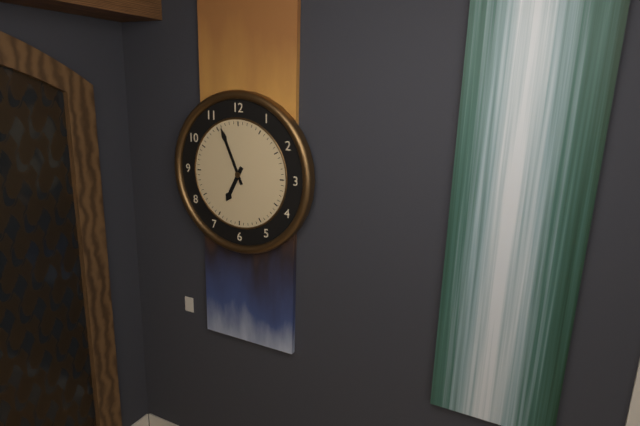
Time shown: 6:56
